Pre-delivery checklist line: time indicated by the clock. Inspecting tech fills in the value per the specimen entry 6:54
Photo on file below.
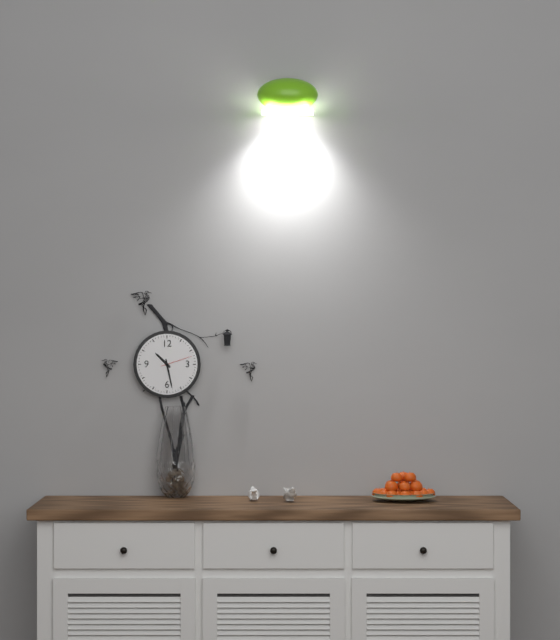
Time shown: 10:28
